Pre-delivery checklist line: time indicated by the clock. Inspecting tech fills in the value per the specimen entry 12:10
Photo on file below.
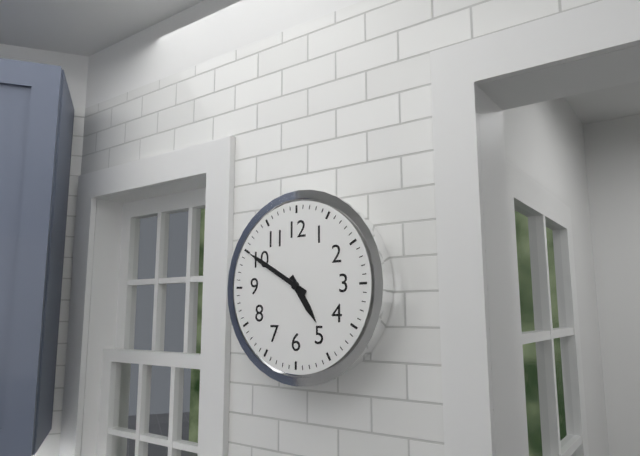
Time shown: 4:50
